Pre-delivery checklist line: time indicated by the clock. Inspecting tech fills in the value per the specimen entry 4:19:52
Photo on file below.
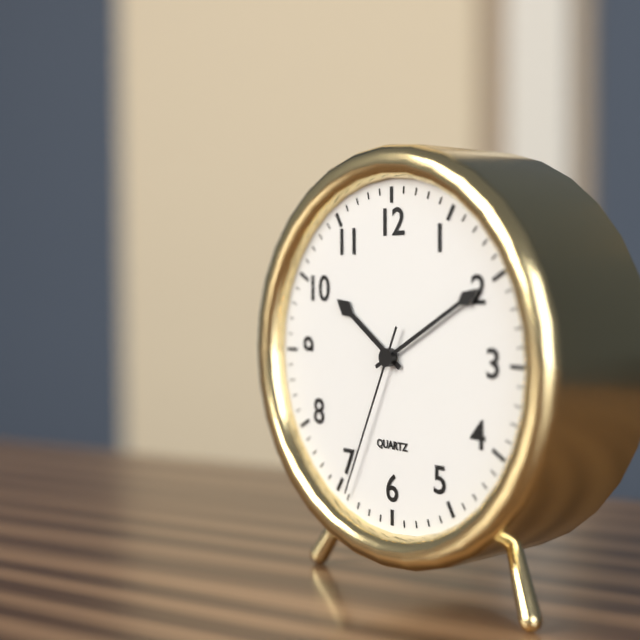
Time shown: 10:10:34
